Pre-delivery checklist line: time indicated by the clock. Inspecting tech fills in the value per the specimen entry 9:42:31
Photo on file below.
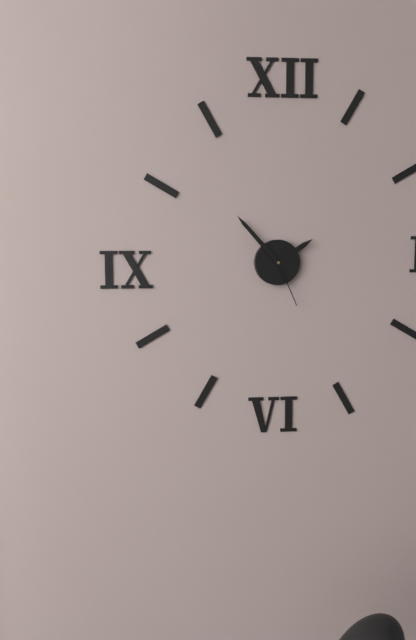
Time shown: 1:53:26
